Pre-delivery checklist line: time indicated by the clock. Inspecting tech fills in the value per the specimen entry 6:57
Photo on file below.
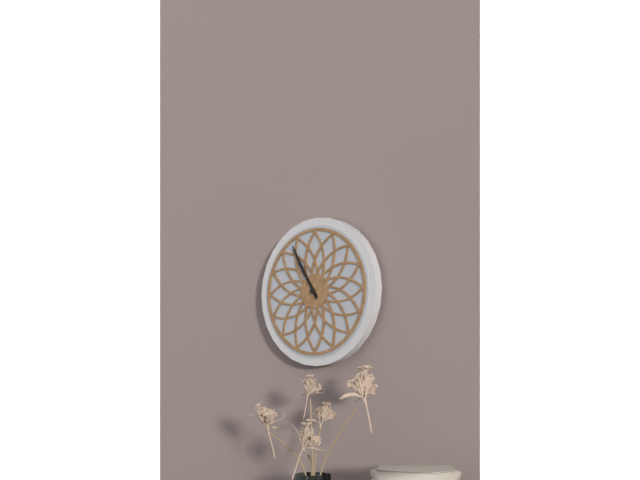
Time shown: 10:55
